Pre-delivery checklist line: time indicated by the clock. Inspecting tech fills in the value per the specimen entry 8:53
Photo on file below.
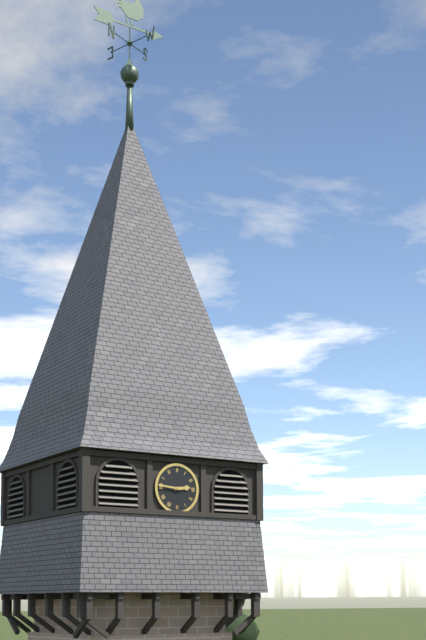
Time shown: 2:46
